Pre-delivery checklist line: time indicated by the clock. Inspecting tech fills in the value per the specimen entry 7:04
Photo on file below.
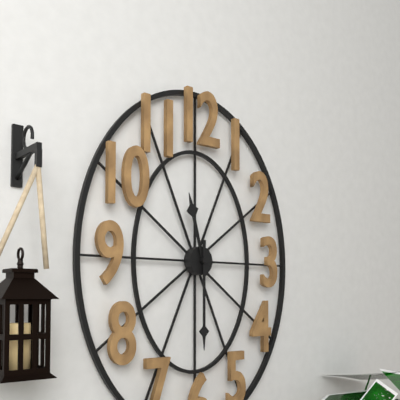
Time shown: 11:30
